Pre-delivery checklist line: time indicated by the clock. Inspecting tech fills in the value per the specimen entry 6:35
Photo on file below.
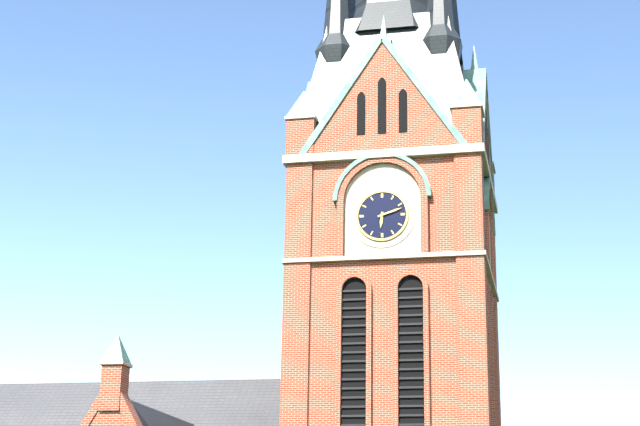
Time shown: 6:12
